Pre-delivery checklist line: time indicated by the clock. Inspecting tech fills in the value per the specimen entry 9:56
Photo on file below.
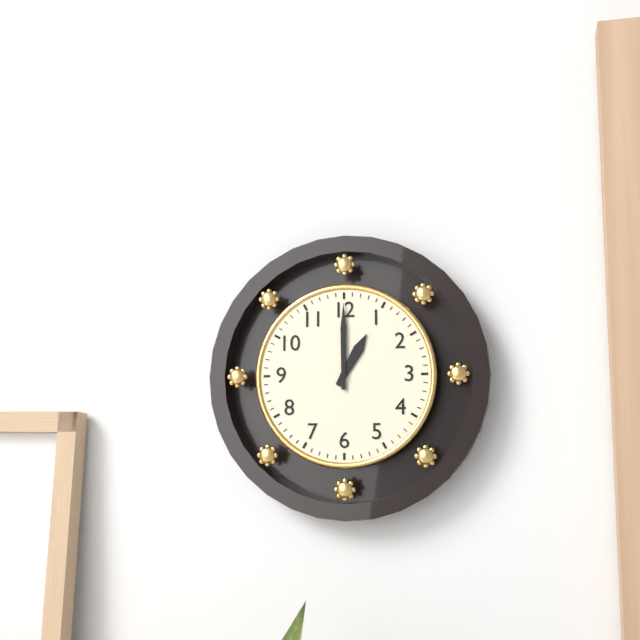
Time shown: 1:00
